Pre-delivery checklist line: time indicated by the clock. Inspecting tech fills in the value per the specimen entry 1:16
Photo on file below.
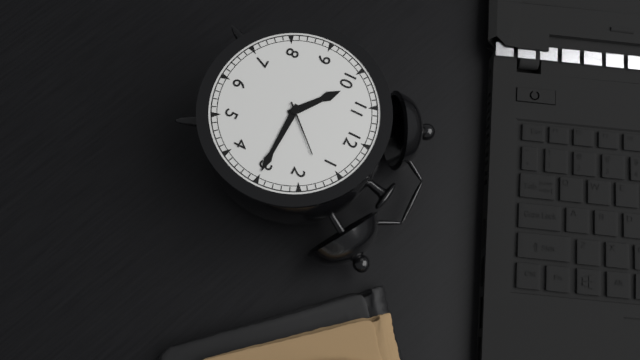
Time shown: 10:15
